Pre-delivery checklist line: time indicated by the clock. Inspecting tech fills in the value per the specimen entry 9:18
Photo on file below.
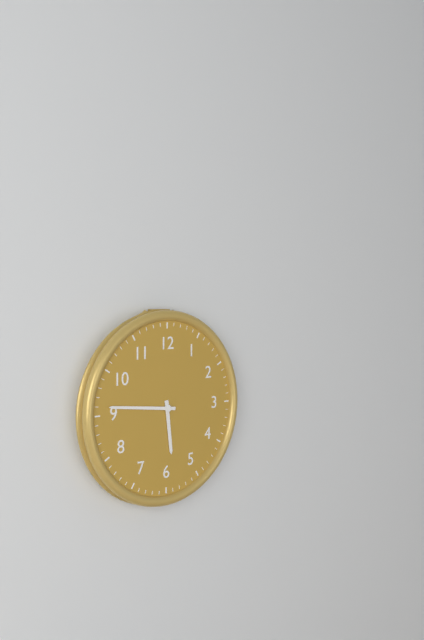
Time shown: 5:46
